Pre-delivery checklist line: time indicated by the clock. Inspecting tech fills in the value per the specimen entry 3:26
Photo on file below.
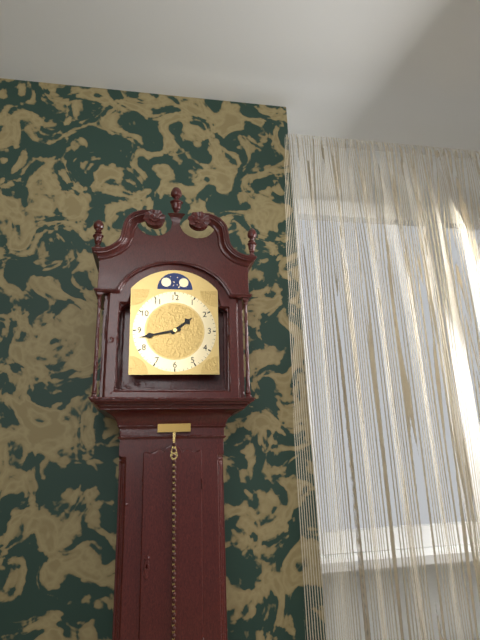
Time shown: 1:43
